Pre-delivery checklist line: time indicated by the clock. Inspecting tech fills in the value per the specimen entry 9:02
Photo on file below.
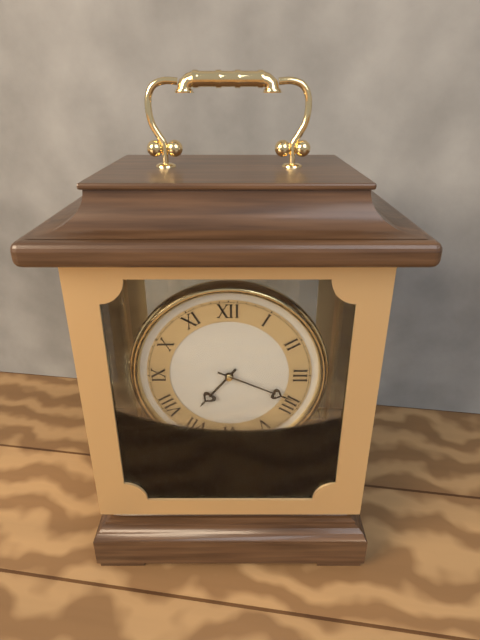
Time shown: 7:19
